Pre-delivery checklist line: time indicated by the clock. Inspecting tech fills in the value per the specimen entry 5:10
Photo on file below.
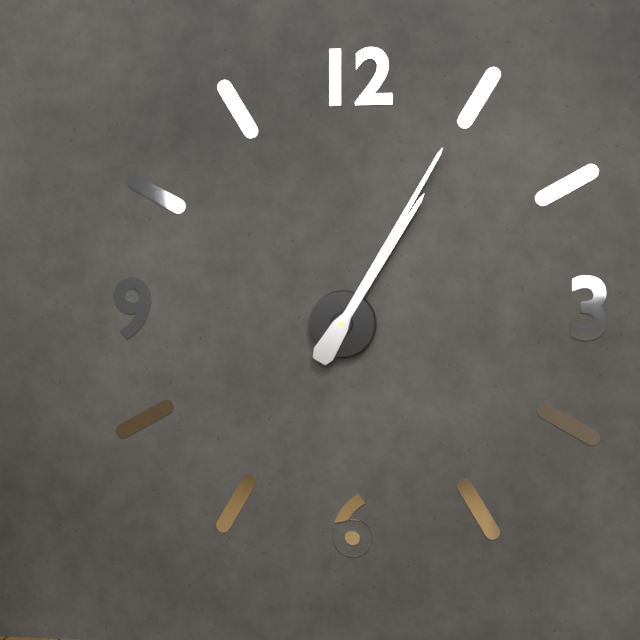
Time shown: 1:05
